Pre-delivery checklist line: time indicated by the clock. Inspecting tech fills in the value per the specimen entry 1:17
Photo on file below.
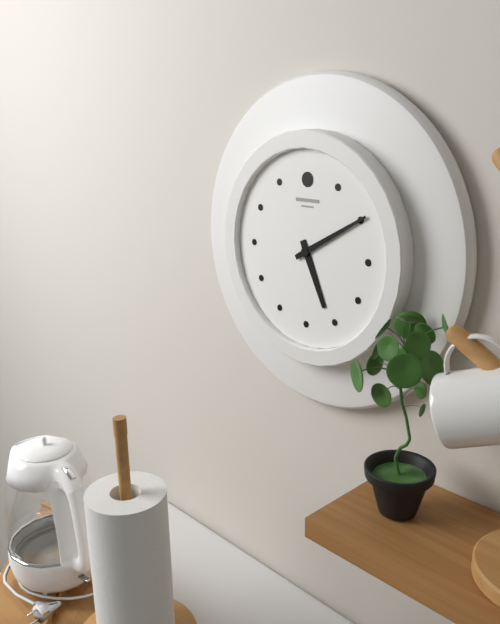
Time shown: 5:10
